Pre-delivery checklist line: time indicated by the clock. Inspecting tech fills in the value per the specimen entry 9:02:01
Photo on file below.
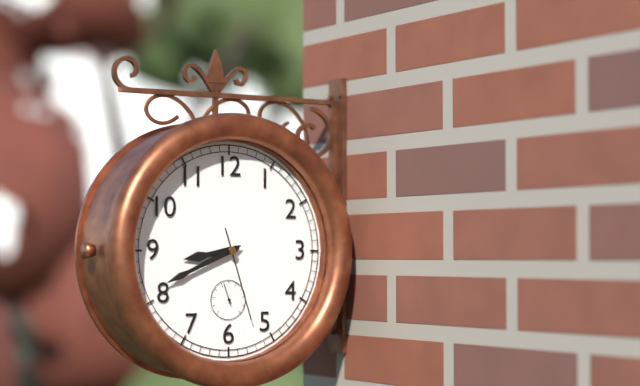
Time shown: 8:41:27
